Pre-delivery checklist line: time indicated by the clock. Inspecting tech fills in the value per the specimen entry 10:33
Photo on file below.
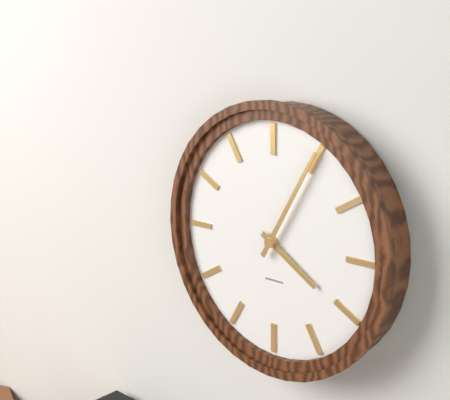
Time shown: 4:05
